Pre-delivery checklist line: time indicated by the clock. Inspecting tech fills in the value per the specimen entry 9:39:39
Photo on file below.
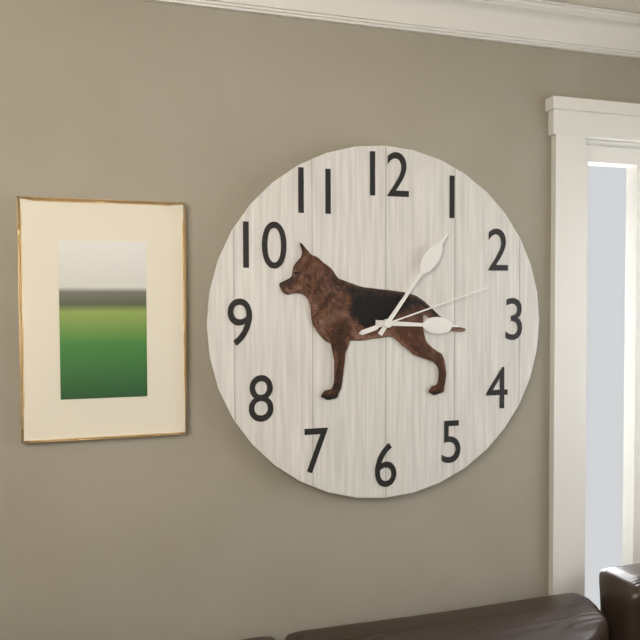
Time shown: 3:06:12
